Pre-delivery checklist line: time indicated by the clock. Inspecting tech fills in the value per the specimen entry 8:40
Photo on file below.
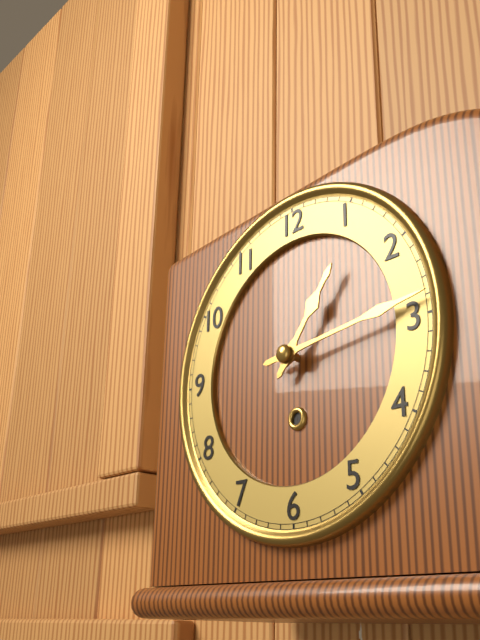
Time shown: 1:14
